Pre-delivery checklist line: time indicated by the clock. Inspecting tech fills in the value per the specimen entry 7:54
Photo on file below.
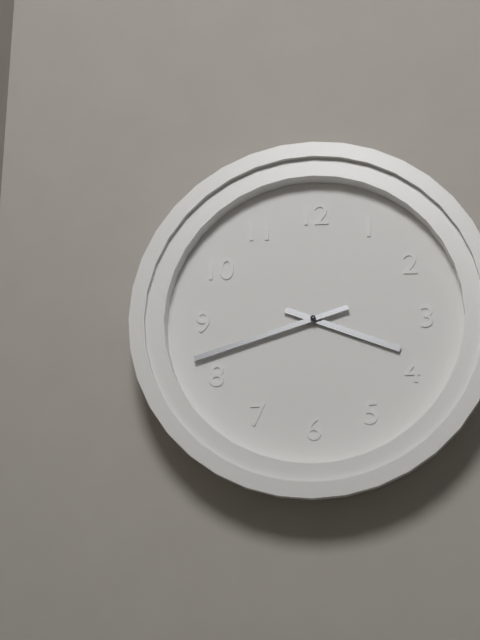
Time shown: 3:42
